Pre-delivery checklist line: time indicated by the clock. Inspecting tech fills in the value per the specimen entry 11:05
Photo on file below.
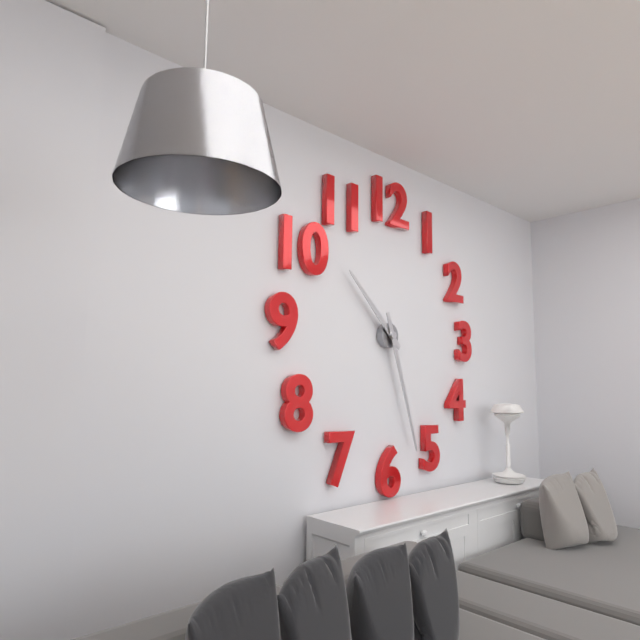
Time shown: 10:27
